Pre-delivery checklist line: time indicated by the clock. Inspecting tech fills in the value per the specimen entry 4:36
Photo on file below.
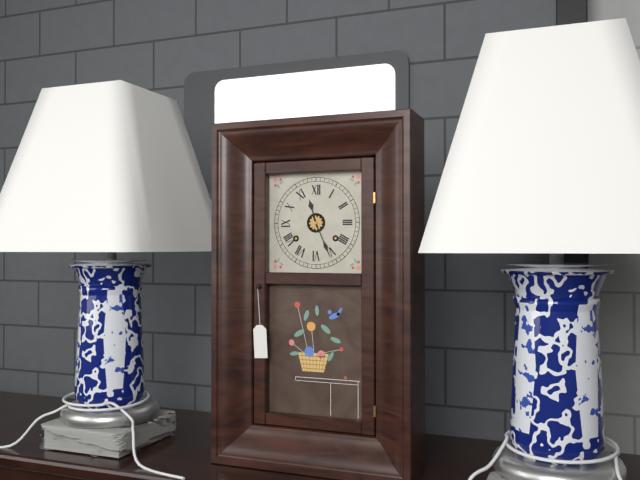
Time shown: 11:26
